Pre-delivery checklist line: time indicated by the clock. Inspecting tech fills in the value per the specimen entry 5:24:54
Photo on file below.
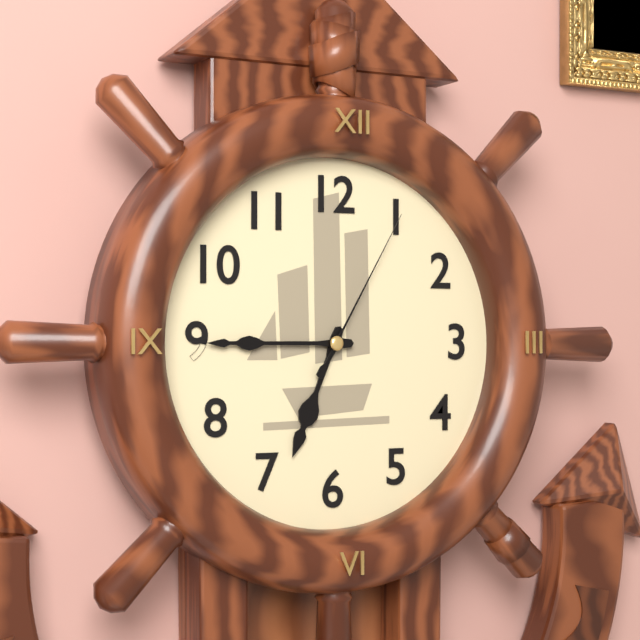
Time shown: 6:45:05
